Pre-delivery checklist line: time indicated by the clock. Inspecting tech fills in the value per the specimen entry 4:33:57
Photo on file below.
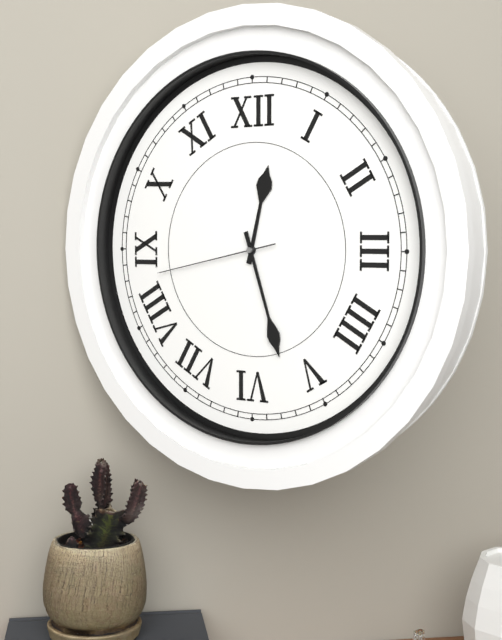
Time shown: 12:27:43
